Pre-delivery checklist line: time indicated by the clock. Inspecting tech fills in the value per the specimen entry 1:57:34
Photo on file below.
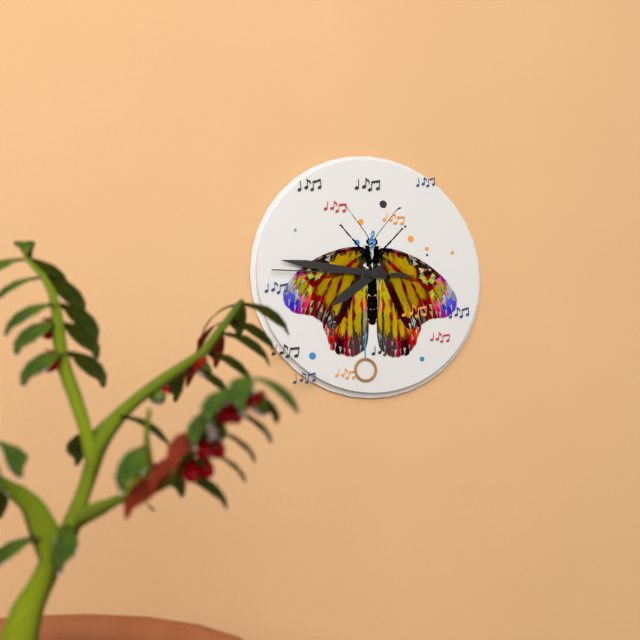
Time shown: 7:46:45
